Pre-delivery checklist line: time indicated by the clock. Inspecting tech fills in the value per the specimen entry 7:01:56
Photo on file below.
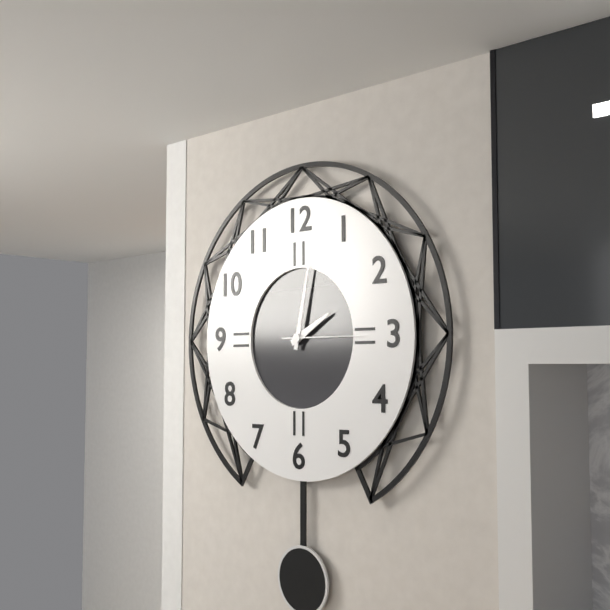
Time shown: 2:02:15
